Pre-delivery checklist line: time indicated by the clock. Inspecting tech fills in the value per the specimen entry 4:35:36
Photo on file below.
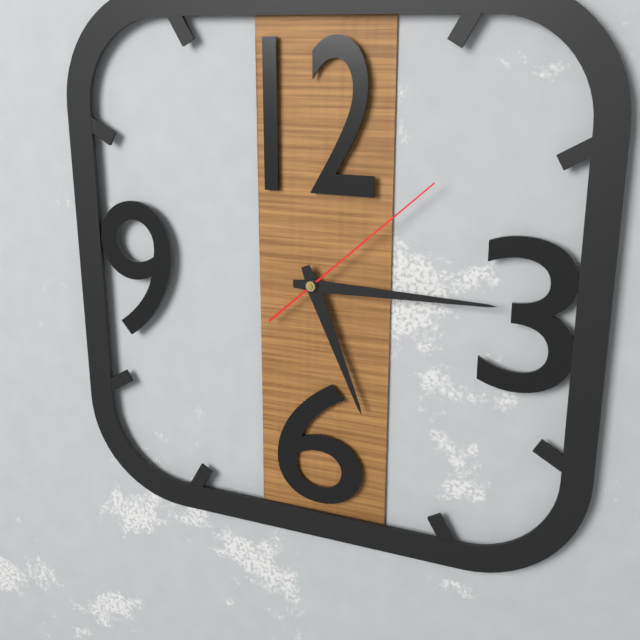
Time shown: 5:15:08
